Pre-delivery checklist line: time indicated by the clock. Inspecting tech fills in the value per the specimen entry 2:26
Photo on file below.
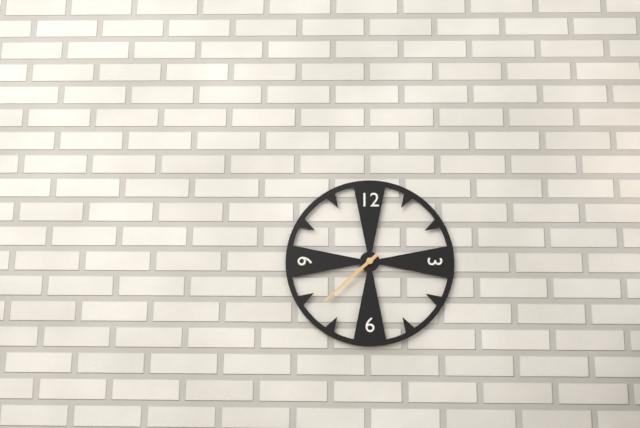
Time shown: 7:38
